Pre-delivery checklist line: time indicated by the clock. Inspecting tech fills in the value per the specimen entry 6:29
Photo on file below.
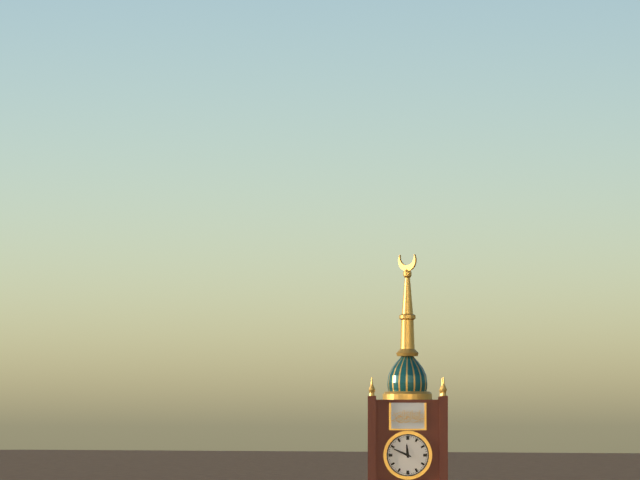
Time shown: 11:49
